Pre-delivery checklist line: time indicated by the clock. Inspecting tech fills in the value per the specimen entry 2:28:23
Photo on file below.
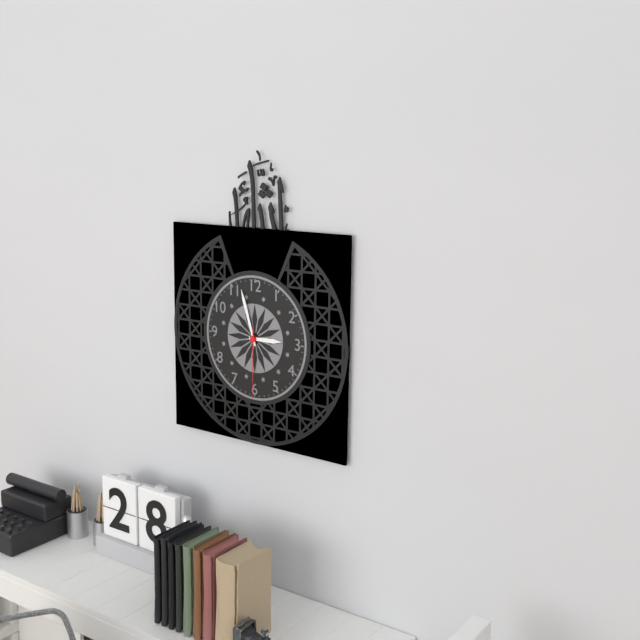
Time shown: 2:57:30
